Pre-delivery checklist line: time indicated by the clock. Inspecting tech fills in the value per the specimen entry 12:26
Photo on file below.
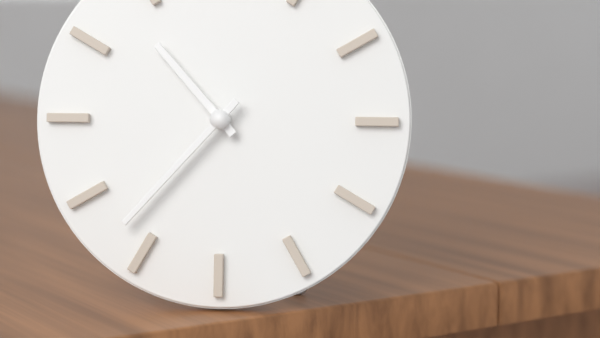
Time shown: 10:37
